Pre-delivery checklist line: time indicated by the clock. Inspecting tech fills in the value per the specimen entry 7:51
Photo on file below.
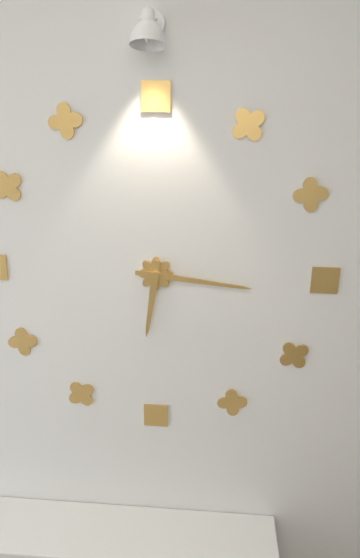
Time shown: 6:16
